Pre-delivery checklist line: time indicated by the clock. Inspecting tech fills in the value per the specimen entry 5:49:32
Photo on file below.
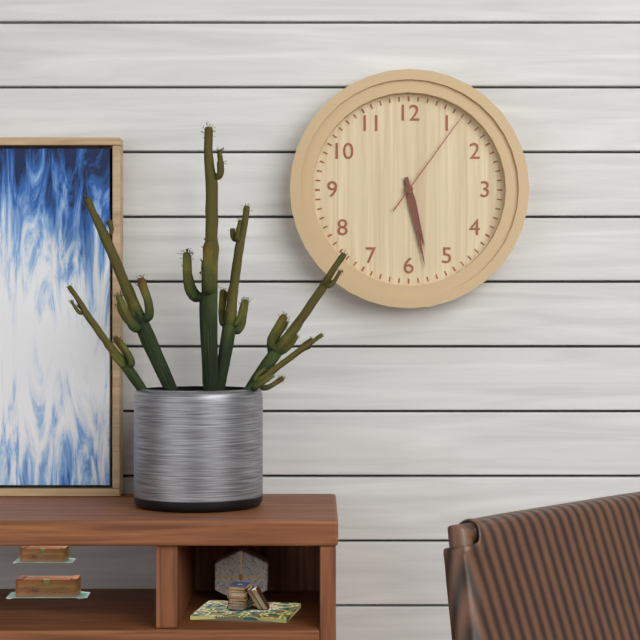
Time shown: 5:28:06
